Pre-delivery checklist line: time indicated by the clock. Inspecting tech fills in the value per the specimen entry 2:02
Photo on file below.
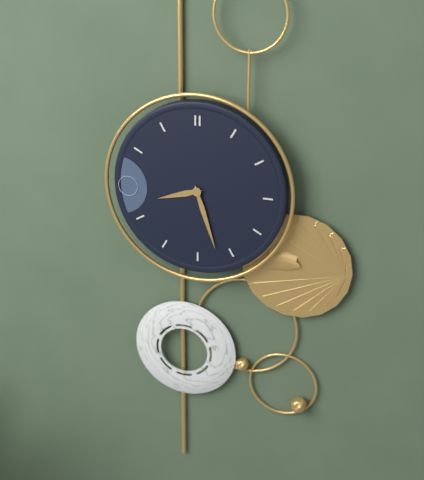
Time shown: 8:27
